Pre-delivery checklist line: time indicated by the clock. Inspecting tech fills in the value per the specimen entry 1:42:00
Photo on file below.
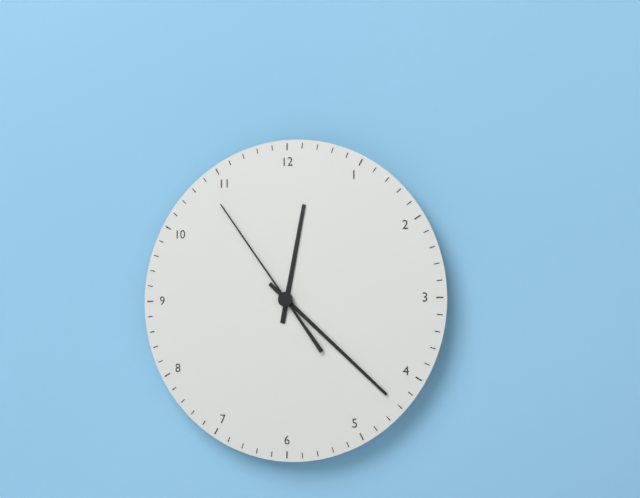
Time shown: 12:22:54
